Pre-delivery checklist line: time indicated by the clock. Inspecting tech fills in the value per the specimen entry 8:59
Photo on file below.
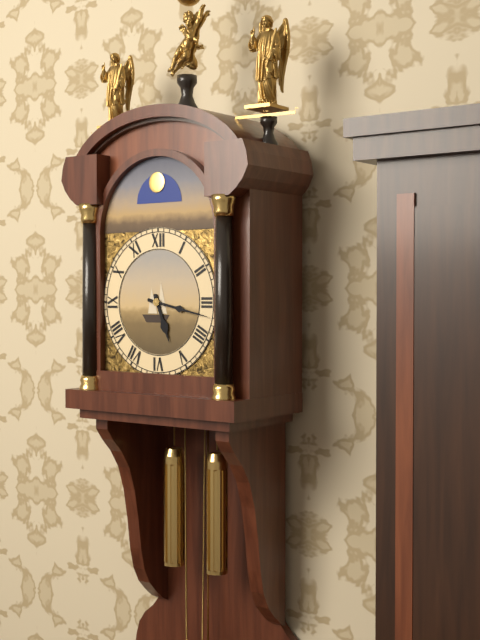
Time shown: 5:17
